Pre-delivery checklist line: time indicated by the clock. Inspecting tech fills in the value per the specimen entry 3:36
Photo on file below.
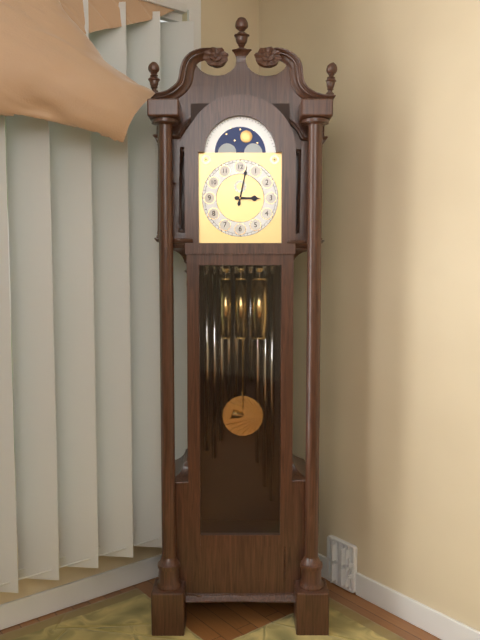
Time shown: 3:02
